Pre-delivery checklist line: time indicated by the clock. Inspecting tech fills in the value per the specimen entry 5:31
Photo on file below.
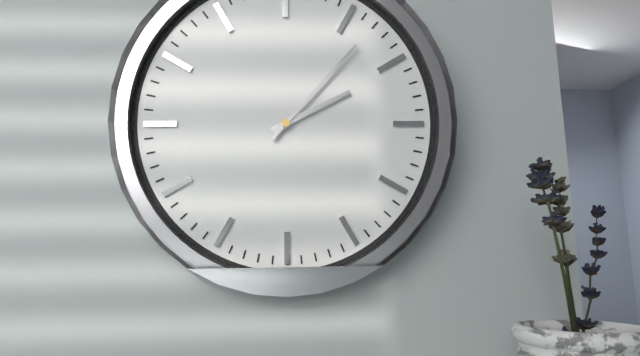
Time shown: 2:07
